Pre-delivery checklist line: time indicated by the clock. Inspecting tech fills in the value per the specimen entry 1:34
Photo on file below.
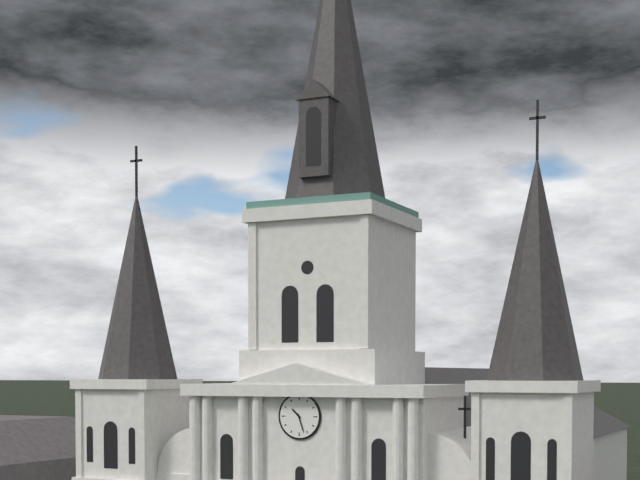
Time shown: 10:27
